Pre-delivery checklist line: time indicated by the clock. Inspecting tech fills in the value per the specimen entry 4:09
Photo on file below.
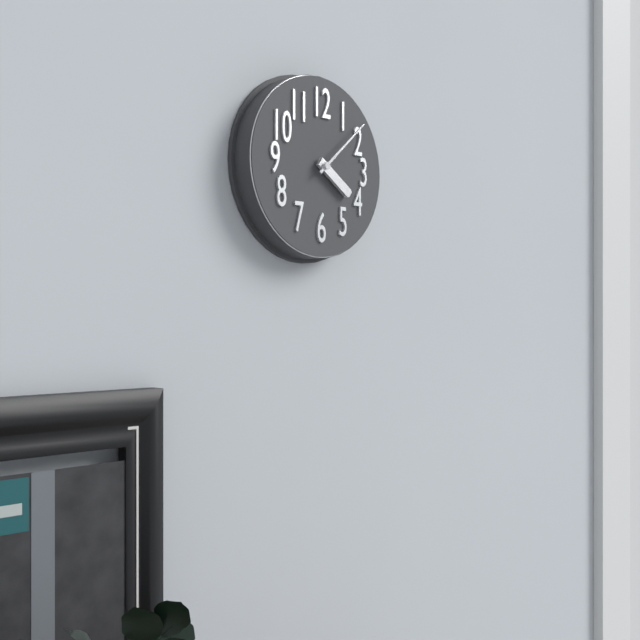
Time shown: 4:08
